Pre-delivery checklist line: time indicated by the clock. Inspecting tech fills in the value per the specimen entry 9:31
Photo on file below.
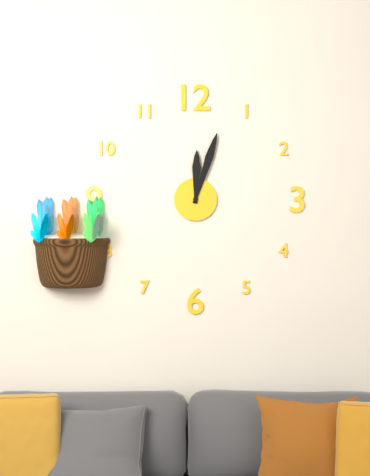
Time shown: 12:03
